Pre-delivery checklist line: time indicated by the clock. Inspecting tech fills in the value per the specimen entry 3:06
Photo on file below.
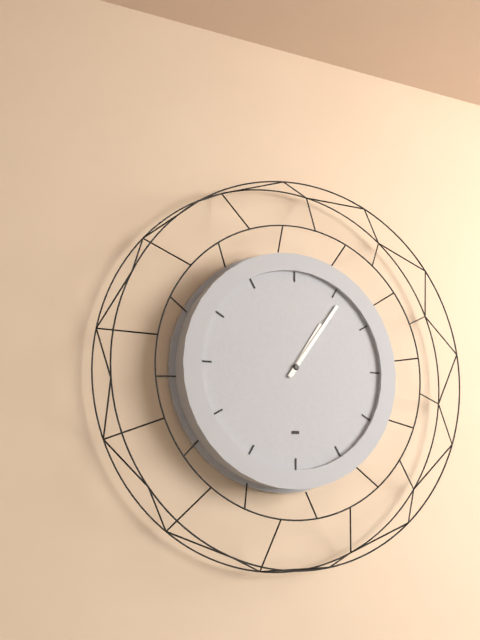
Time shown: 1:06
